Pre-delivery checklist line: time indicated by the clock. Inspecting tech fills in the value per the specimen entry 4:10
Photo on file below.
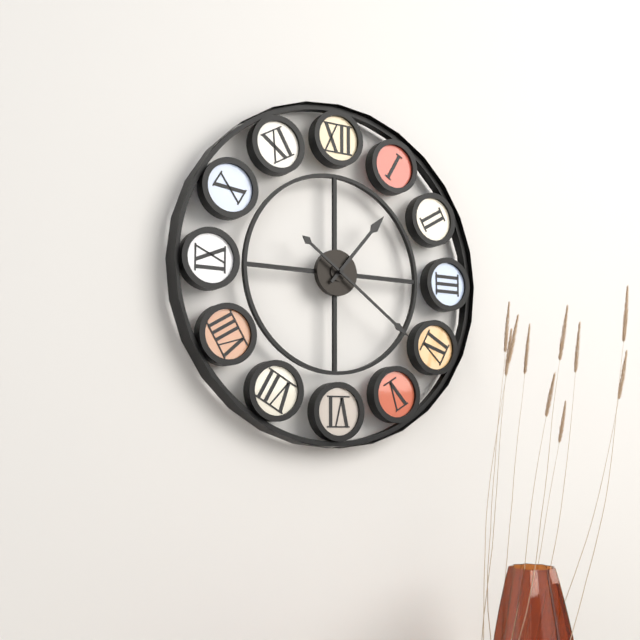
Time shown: 1:21
